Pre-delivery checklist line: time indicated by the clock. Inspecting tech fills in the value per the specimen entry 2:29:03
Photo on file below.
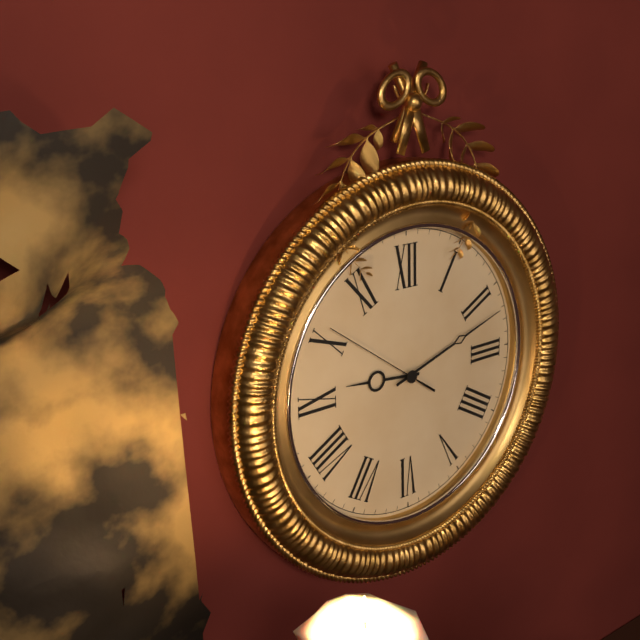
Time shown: 9:12:51
